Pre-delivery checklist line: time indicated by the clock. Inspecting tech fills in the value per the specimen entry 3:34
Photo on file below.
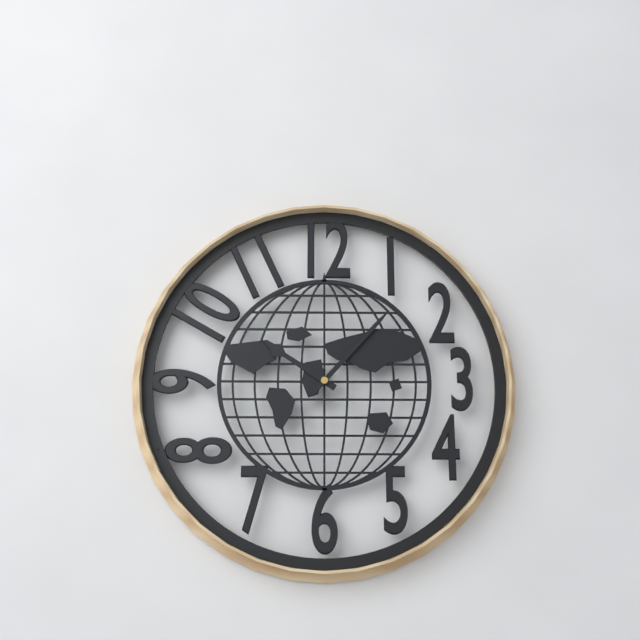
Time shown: 10:07
